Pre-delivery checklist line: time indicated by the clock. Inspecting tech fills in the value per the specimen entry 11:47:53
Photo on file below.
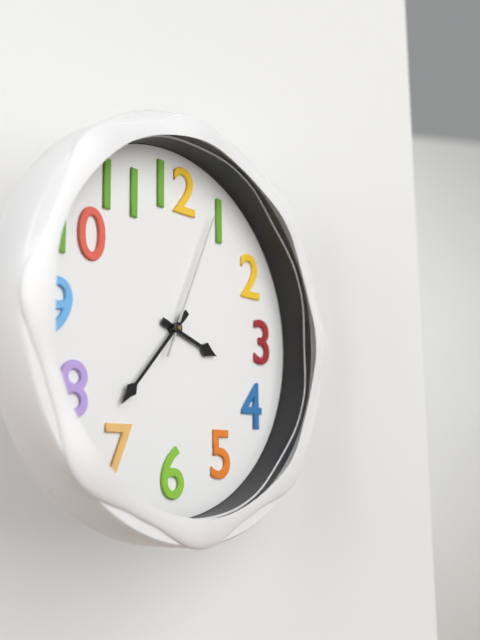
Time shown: 3:37:04
